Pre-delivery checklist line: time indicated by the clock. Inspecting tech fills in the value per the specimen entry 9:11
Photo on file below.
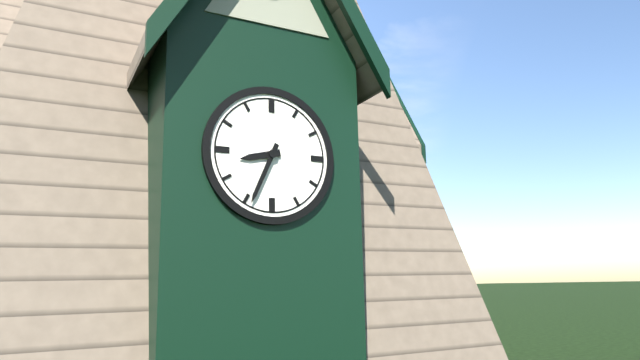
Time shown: 8:34
